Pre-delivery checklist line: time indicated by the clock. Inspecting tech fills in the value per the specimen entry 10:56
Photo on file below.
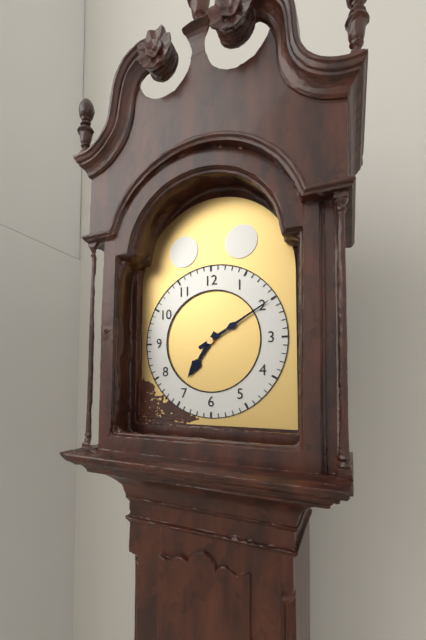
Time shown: 7:10
